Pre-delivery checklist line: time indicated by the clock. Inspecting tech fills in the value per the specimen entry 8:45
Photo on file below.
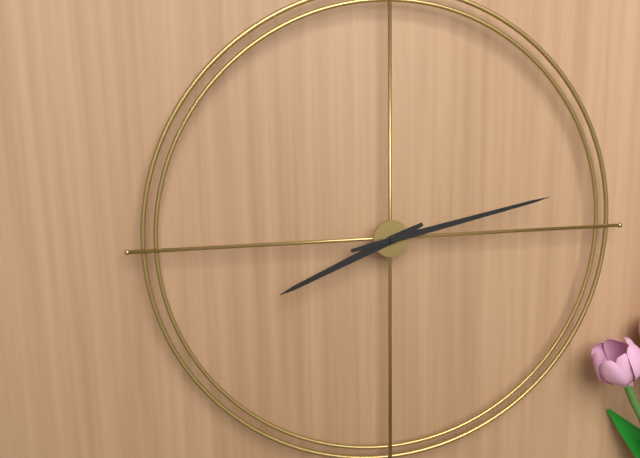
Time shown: 8:13
